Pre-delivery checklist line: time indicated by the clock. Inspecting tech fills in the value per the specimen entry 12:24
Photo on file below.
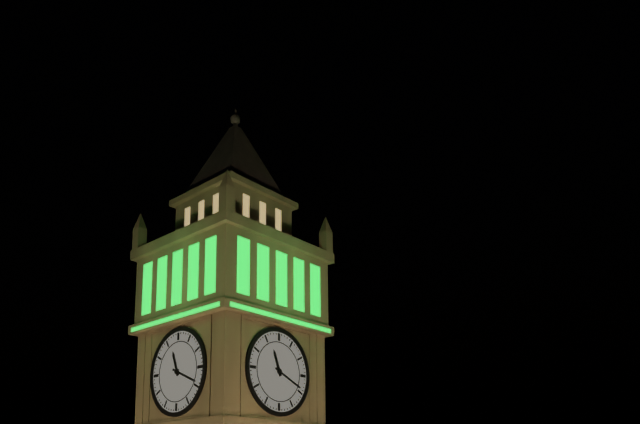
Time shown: 11:19
